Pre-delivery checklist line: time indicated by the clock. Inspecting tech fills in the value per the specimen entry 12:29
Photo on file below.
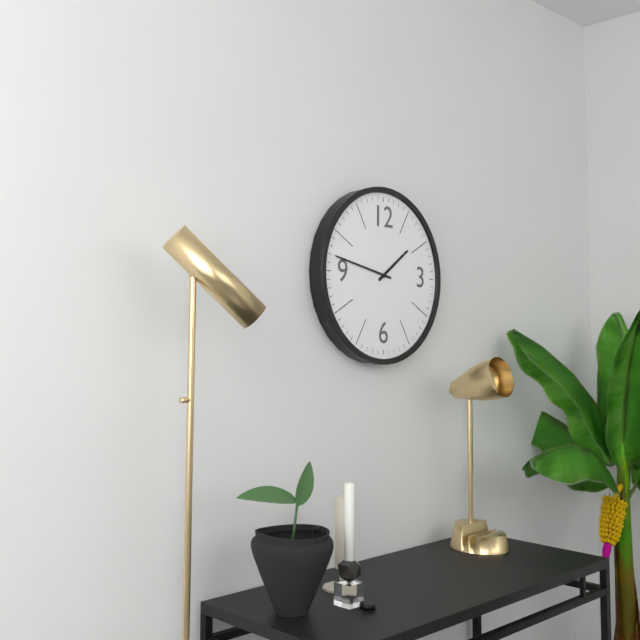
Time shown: 1:47
